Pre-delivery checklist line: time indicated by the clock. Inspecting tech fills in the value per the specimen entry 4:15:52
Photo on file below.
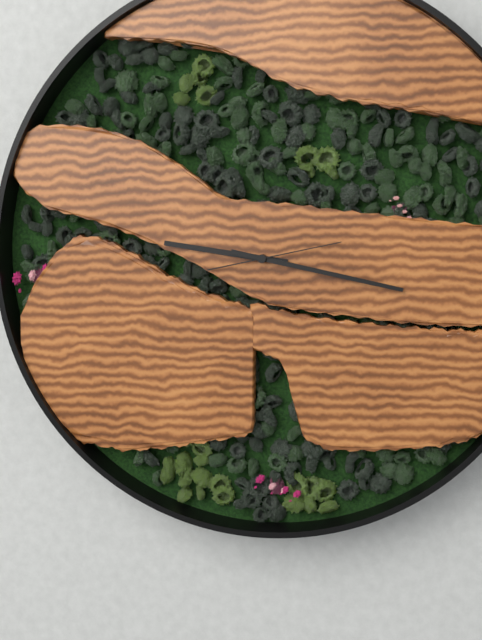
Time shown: 9:17:13
